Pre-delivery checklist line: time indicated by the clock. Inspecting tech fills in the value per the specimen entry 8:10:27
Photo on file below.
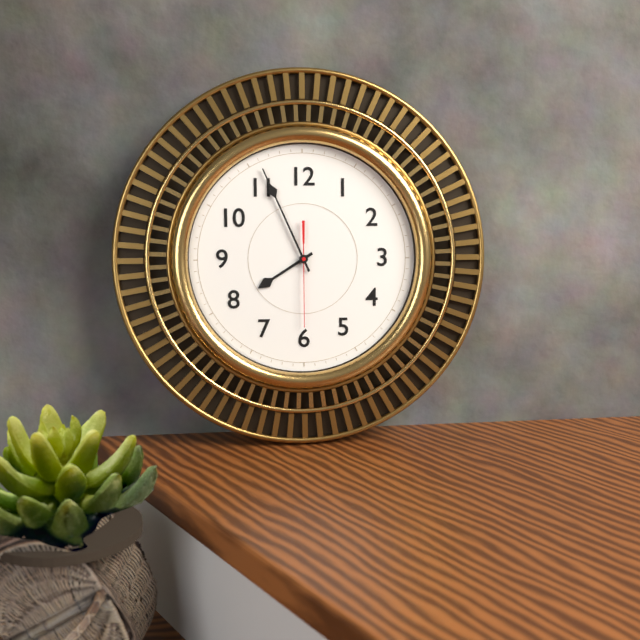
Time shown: 7:56:30
